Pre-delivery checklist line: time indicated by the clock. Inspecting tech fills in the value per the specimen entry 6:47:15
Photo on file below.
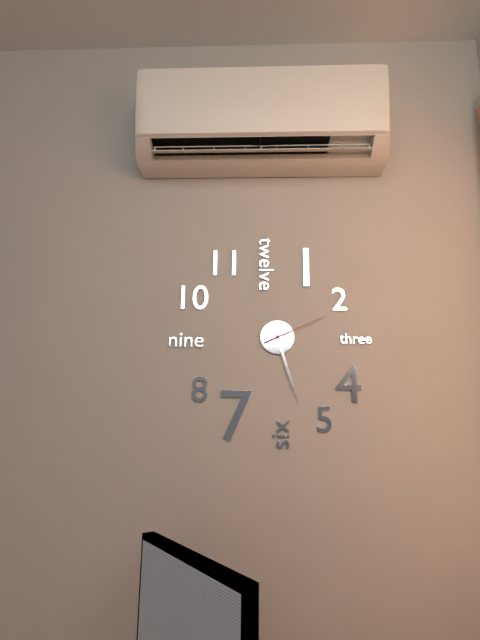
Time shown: 5:27:11
